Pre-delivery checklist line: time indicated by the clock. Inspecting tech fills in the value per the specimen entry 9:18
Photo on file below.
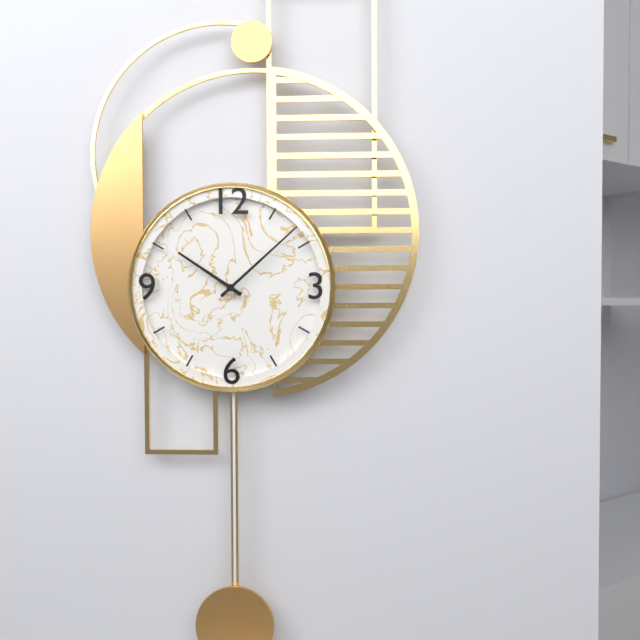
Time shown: 10:08
